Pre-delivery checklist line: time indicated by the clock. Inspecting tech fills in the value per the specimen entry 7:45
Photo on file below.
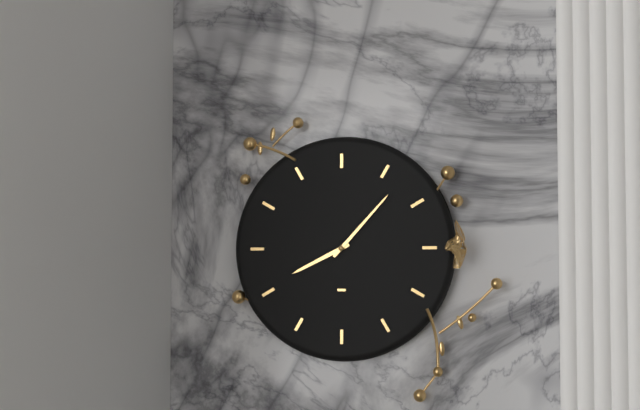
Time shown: 8:07
